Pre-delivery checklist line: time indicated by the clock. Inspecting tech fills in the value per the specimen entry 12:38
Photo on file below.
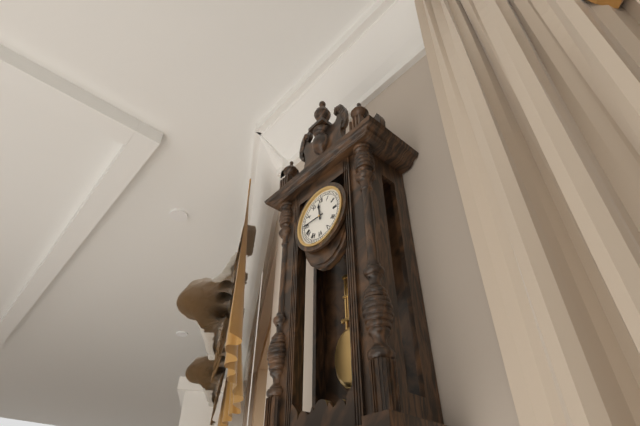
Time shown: 11:45
